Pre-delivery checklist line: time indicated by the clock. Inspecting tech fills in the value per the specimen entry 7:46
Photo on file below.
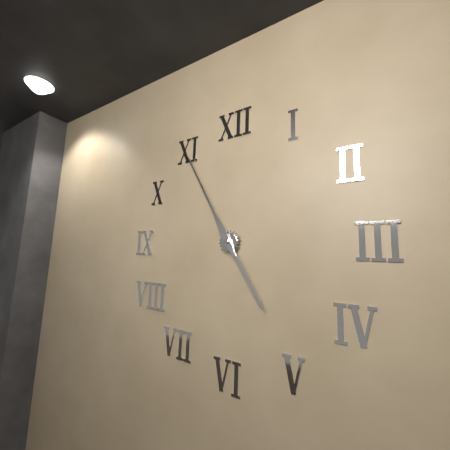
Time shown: 4:55
